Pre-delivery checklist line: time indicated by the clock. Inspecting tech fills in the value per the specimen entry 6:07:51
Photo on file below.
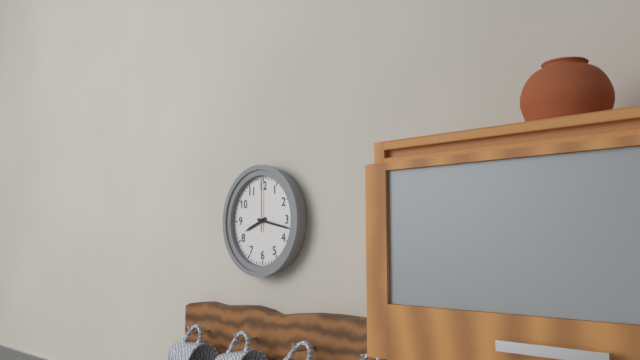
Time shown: 8:17:00
